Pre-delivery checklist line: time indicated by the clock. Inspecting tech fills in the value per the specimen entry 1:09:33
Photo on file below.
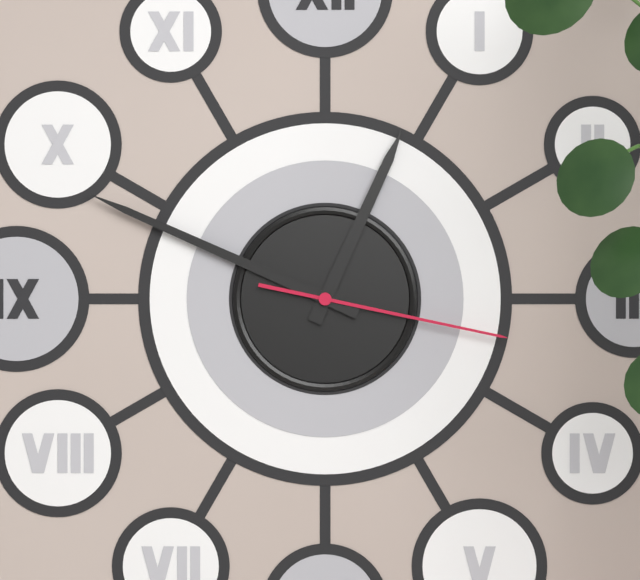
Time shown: 12:49:17
